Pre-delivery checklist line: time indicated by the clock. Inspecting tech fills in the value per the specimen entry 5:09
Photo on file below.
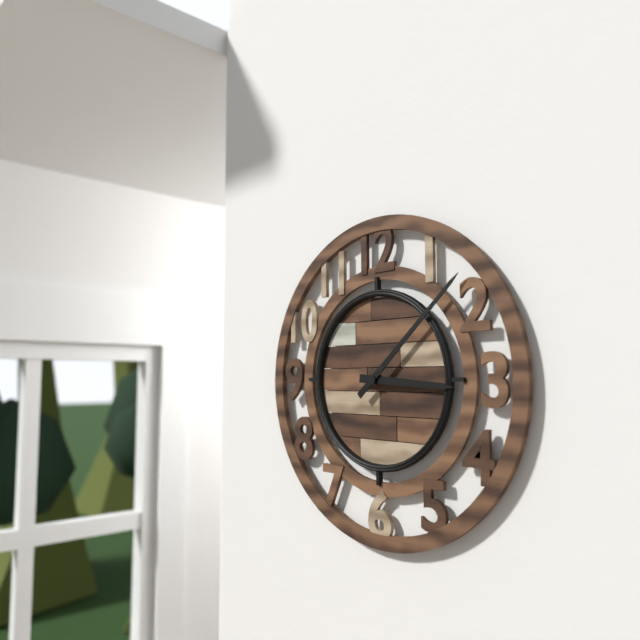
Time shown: 3:08
